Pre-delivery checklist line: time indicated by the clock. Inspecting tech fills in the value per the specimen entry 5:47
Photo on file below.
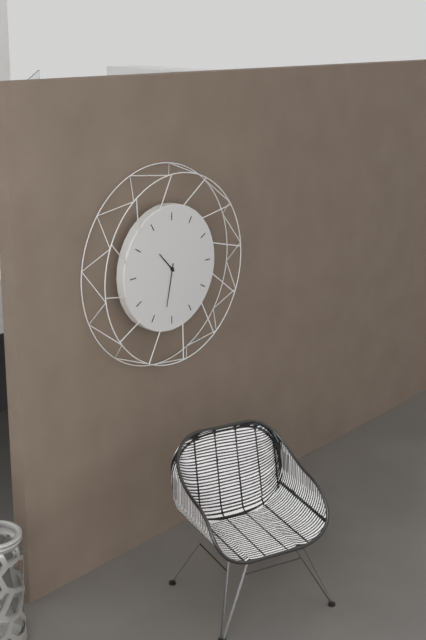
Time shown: 10:32
